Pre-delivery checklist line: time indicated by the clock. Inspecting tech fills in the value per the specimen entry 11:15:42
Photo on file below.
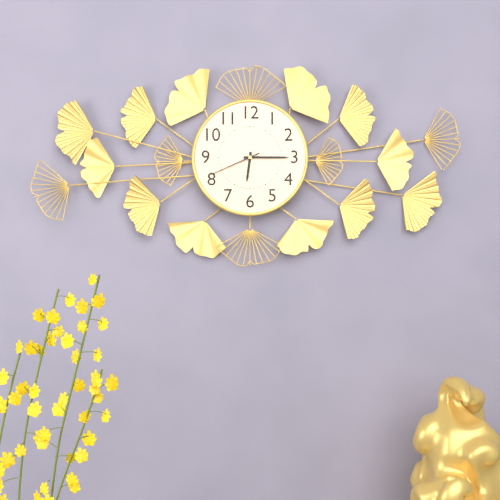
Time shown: 6:15:41
